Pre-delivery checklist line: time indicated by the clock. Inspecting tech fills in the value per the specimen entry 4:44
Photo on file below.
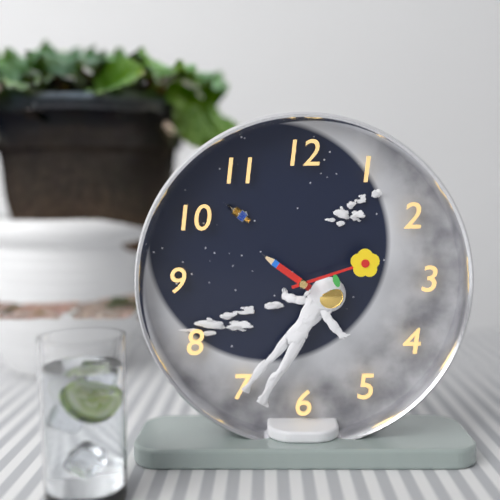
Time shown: 10:12
